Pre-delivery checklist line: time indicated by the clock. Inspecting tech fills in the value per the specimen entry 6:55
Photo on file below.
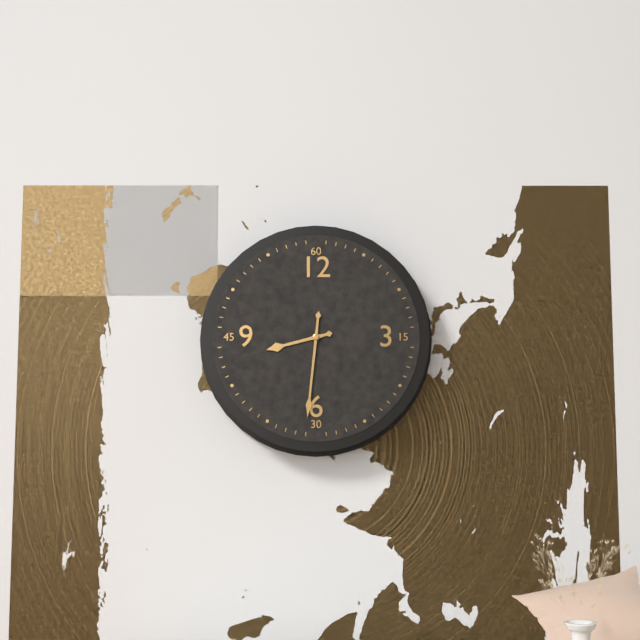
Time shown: 8:31
